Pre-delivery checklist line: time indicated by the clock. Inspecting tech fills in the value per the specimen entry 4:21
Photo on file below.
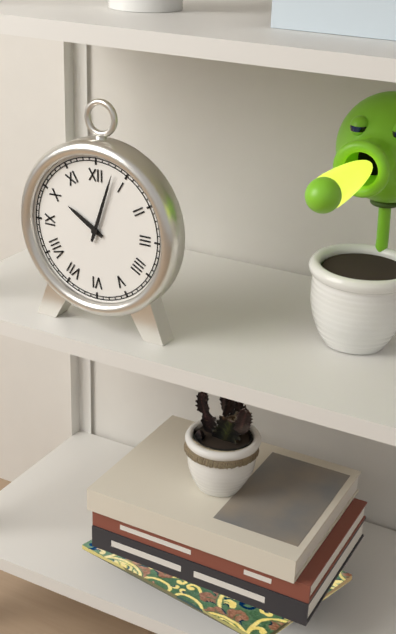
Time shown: 10:03
